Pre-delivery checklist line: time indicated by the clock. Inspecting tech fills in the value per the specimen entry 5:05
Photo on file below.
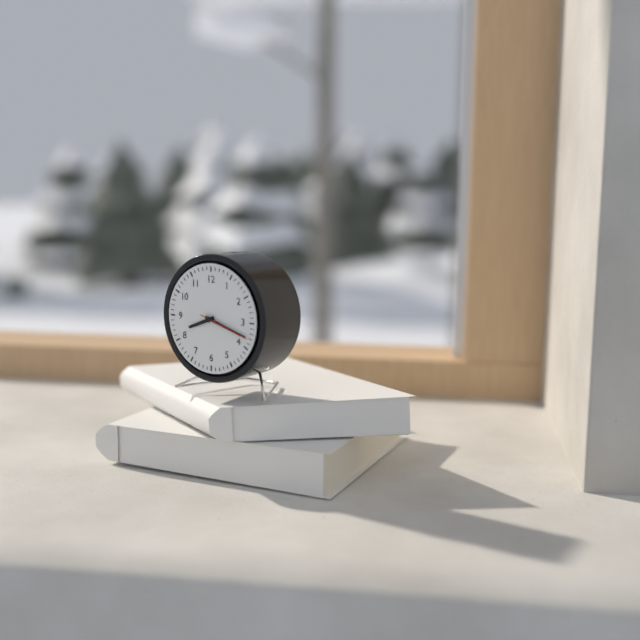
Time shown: 8:18
